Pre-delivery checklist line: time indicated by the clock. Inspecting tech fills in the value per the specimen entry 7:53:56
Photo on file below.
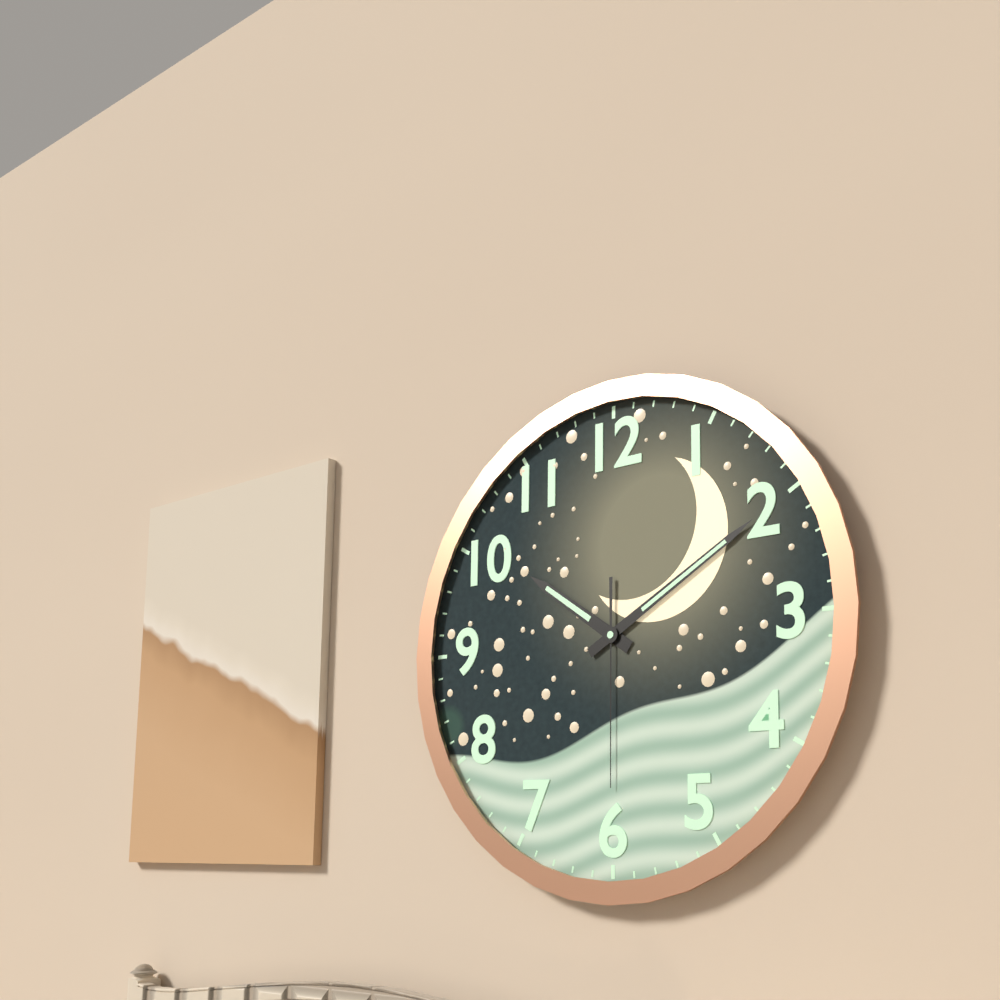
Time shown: 10:10:30
